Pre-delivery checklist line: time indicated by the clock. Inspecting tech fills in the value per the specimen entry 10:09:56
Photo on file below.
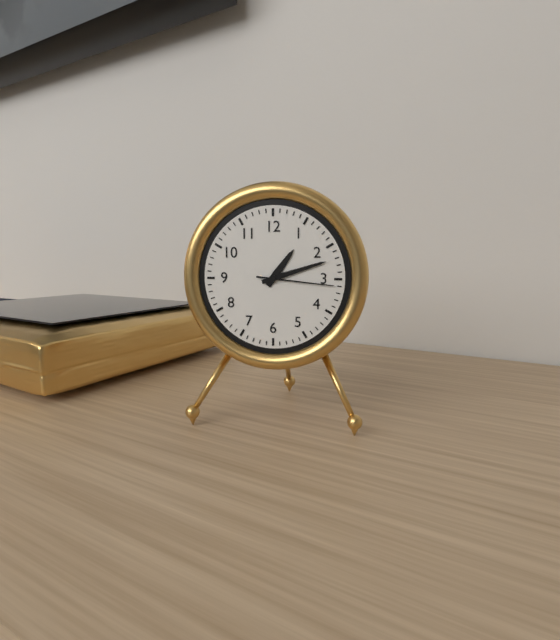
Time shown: 1:12:16
